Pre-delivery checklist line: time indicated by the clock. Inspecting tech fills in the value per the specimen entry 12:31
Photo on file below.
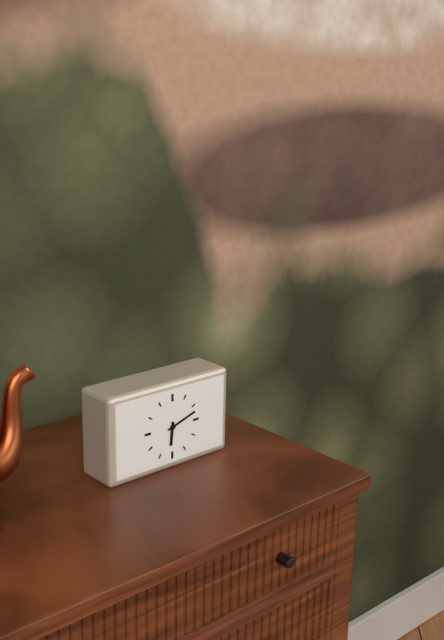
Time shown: 6:12
